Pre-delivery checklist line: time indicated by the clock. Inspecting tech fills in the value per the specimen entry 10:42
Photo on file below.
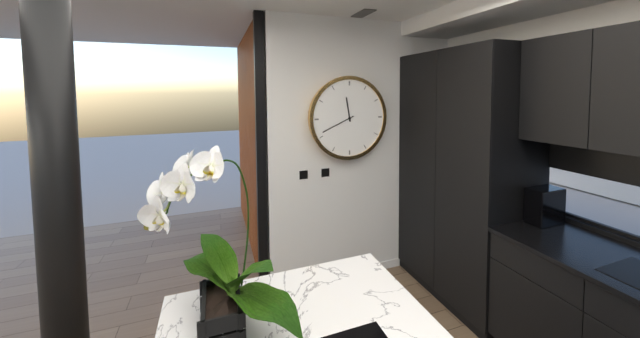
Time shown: 11:41
